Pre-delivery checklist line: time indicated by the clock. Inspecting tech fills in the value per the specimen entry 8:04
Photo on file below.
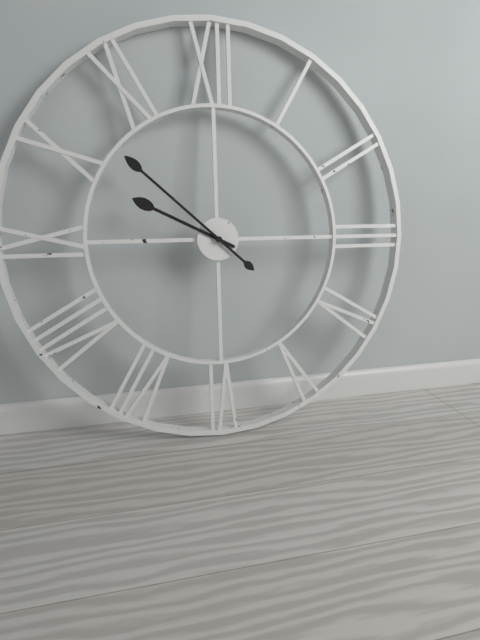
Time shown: 9:52
